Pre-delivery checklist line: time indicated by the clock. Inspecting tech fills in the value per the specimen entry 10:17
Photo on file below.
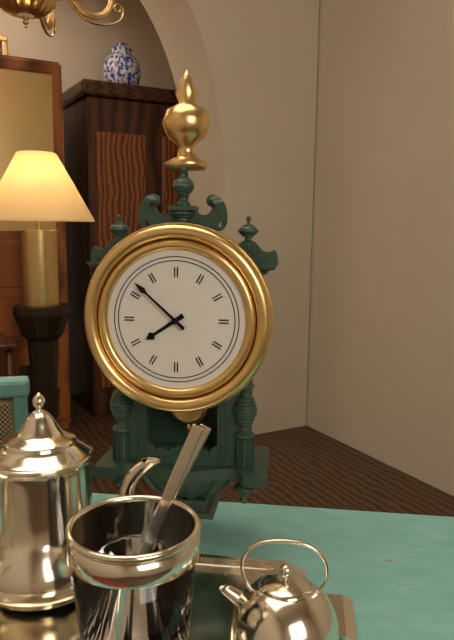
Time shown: 7:52
